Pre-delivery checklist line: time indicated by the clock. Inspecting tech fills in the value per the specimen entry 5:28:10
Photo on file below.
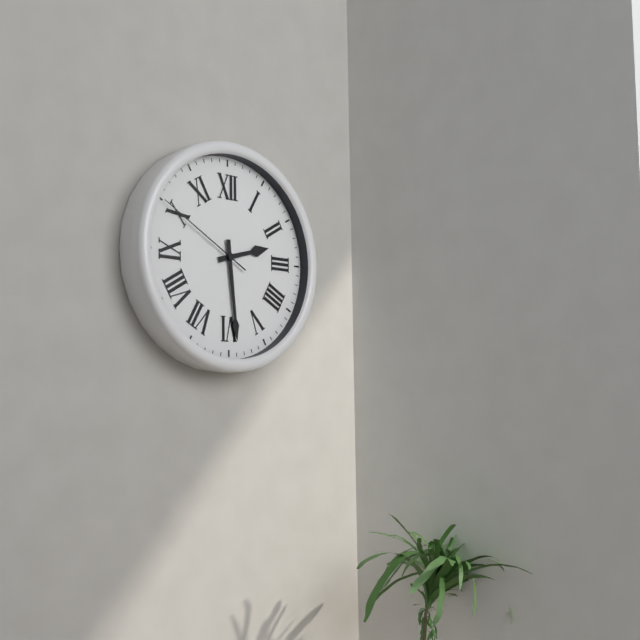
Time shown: 2:29:50
